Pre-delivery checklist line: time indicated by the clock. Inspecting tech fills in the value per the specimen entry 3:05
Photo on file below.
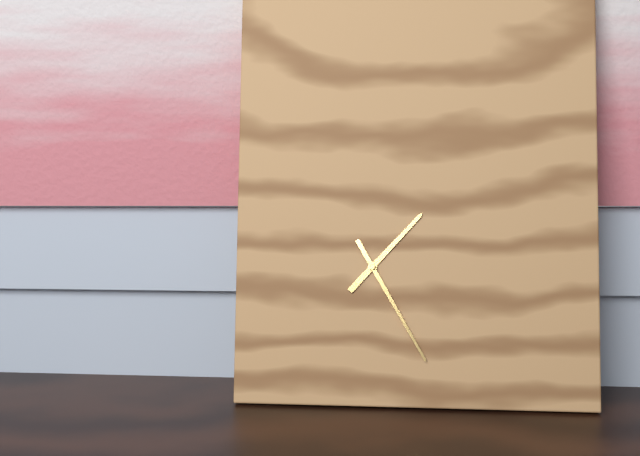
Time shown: 1:25
